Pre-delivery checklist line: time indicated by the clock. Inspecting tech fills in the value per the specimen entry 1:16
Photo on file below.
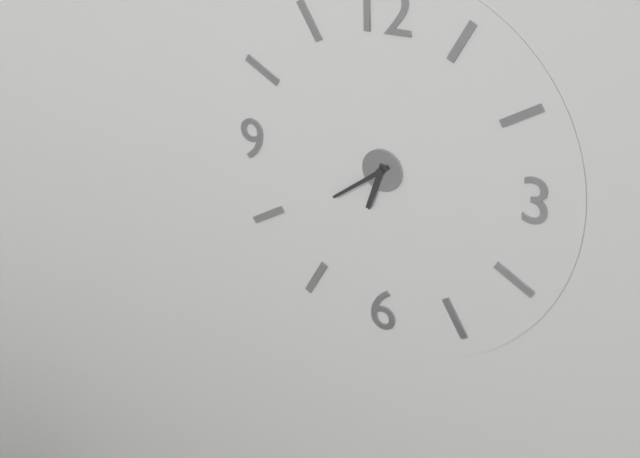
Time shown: 6:39
